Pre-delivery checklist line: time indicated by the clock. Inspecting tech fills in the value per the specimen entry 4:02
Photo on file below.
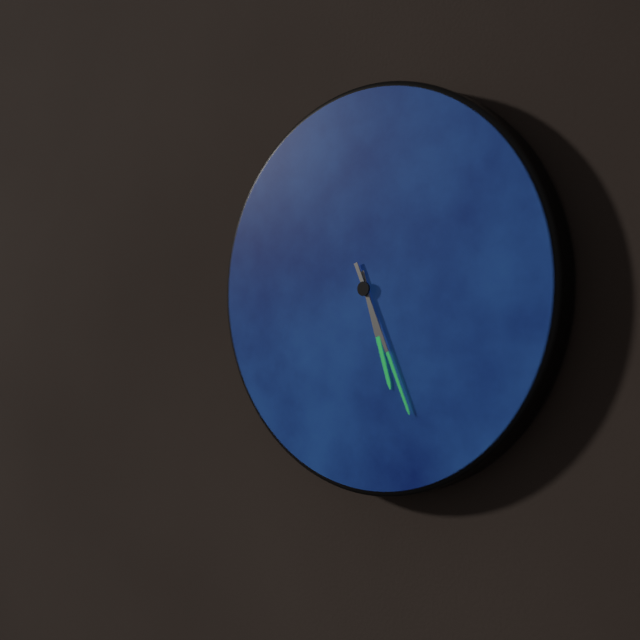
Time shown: 5:26
